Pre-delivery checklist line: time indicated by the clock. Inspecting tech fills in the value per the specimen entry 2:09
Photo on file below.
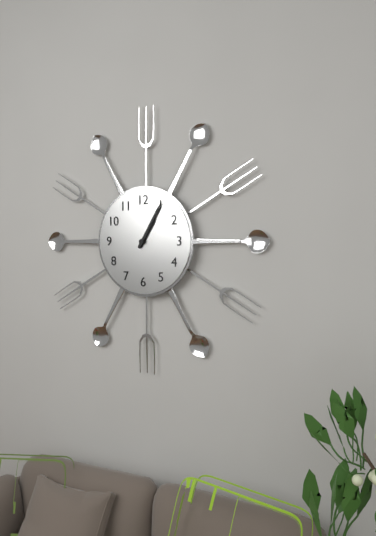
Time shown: 1:05
